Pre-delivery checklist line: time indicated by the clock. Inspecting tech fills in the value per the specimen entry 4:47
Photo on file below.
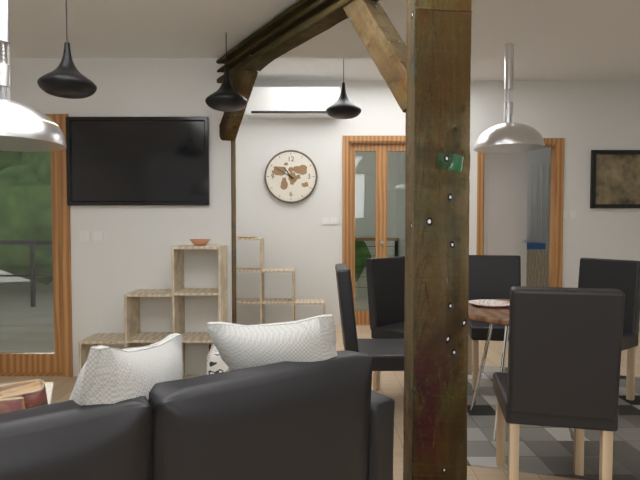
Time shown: 10:50
